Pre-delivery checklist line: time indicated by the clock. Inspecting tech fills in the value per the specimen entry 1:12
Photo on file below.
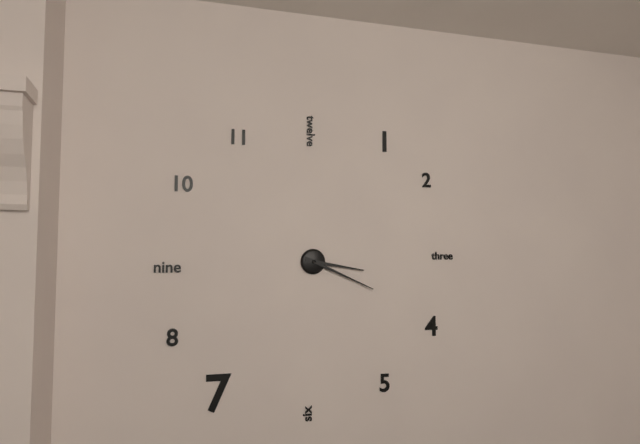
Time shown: 3:19
